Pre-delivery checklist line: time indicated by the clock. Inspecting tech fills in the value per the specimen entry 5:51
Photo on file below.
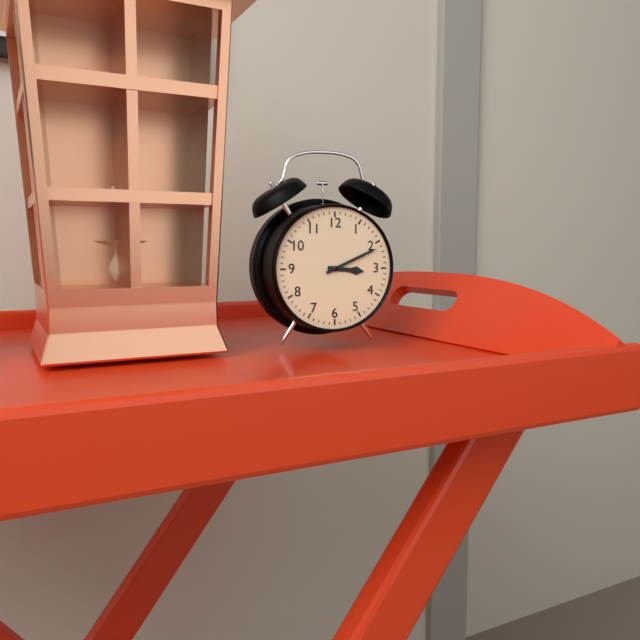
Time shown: 3:11
